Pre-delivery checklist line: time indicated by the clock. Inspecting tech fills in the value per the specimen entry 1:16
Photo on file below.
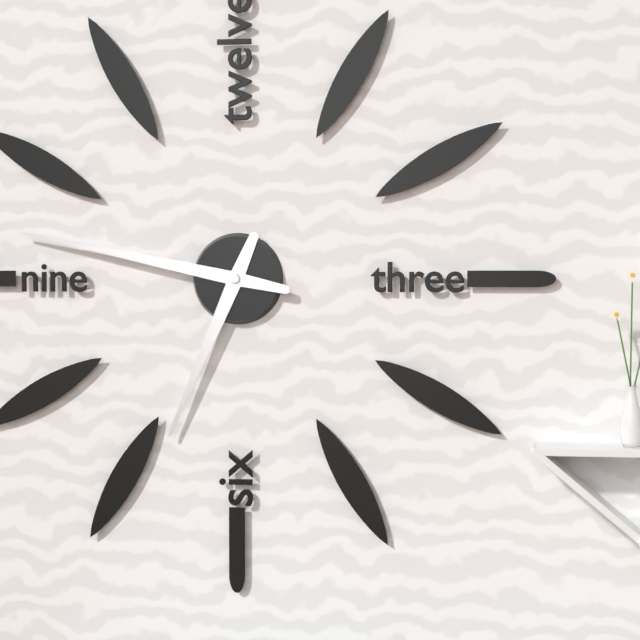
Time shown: 6:47
